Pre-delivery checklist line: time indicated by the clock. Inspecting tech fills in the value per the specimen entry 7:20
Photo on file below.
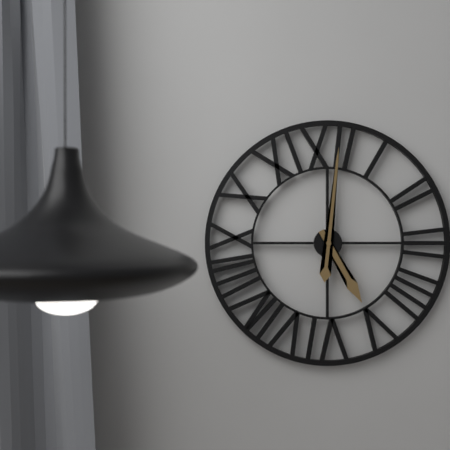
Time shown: 5:01
